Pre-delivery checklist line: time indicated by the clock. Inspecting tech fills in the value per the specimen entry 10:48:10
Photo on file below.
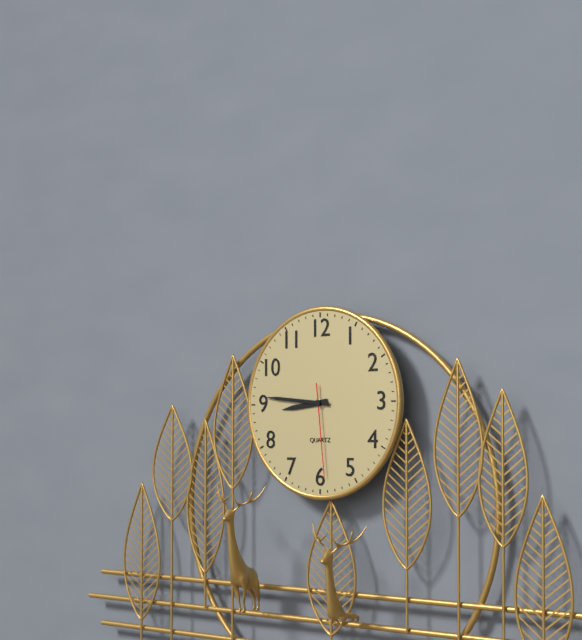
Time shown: 8:46:29
